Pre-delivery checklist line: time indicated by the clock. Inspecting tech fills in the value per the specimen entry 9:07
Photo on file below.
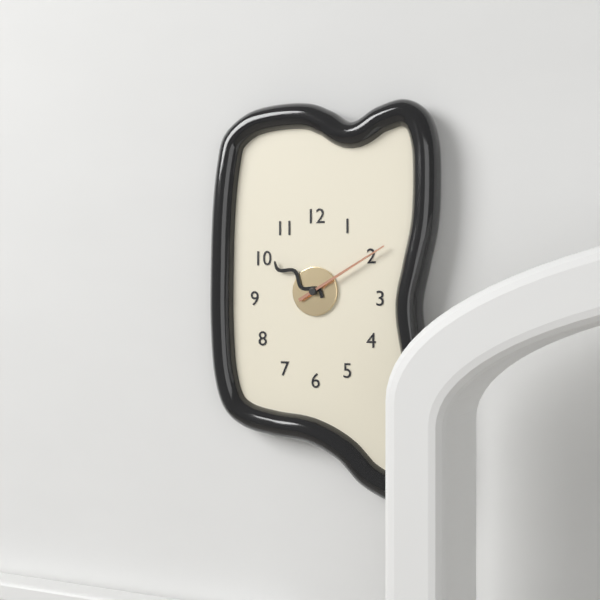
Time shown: 10:10
